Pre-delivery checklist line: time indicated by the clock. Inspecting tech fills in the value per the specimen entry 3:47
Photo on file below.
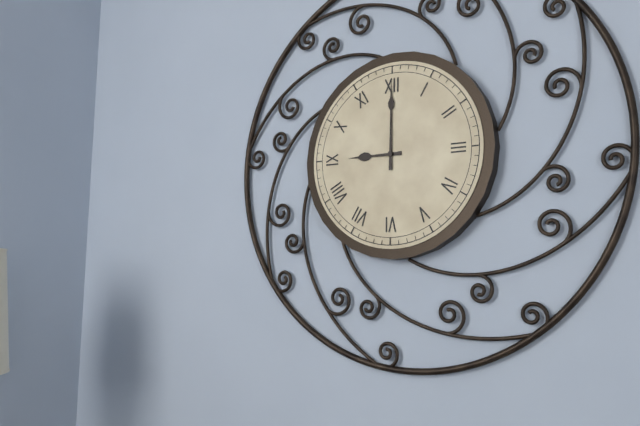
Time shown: 9:00
